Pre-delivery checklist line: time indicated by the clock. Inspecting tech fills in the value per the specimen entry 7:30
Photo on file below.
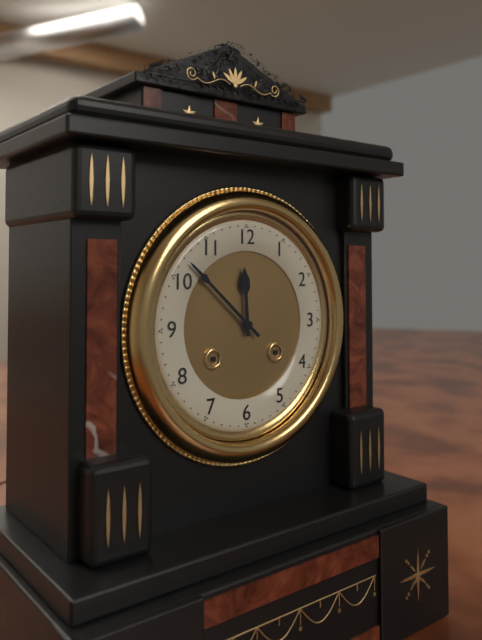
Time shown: 11:52
